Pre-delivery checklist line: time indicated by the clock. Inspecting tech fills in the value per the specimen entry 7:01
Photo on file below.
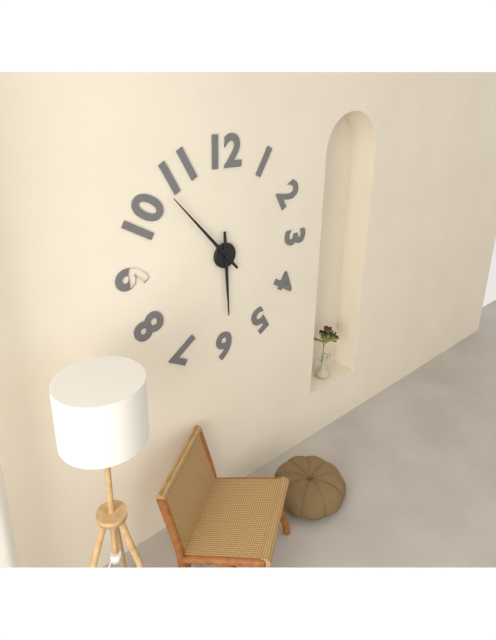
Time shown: 5:53
